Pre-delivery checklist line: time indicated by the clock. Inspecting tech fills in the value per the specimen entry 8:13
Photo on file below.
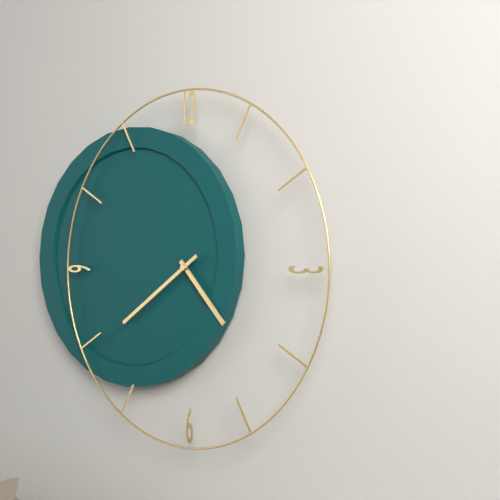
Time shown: 4:39
